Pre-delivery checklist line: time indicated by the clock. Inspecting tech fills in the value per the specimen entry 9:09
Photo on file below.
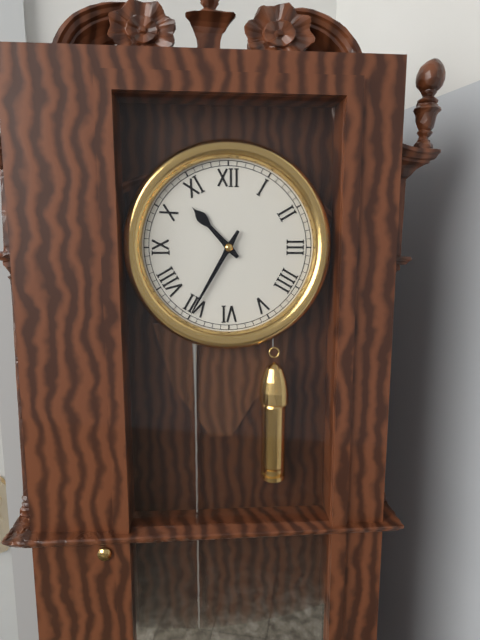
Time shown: 10:35
